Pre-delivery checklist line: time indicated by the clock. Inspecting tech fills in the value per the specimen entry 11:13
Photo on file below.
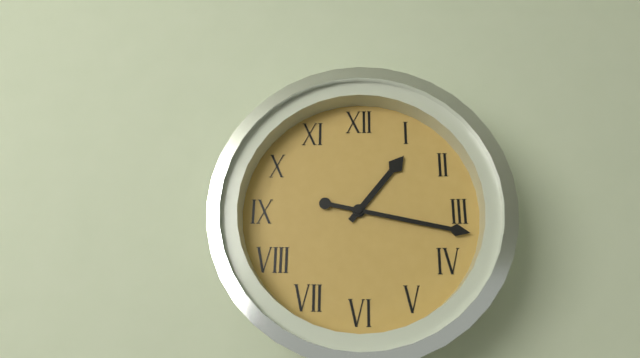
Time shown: 1:17
